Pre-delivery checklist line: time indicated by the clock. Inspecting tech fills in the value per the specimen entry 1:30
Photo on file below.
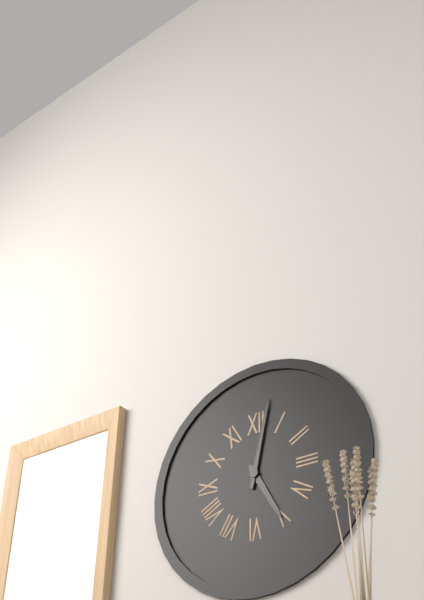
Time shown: 5:02
